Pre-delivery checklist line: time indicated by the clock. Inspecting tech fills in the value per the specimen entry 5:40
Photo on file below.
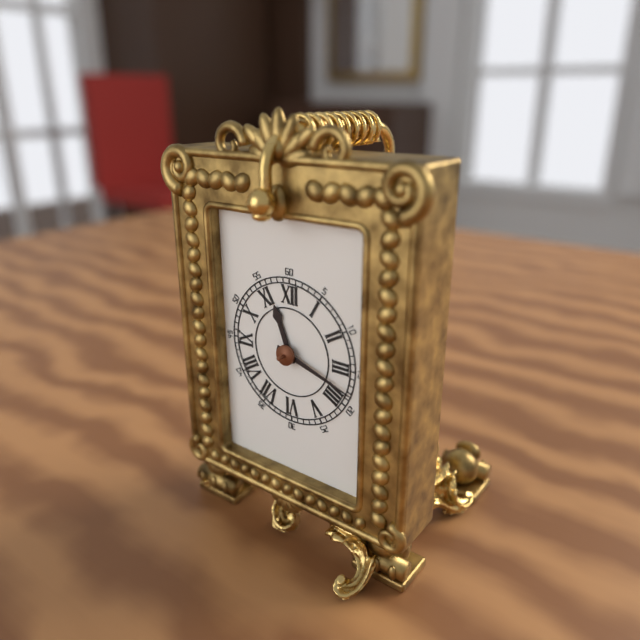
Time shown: 11:18
